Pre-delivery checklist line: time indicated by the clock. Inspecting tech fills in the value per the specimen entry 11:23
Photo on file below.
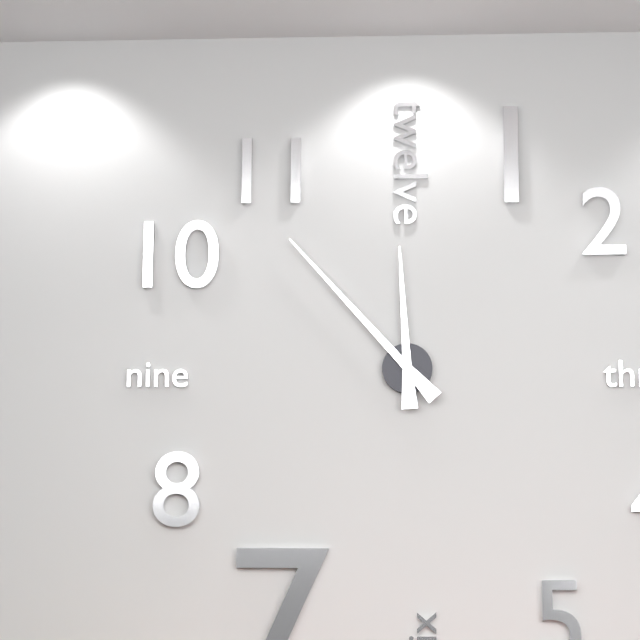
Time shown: 11:53
